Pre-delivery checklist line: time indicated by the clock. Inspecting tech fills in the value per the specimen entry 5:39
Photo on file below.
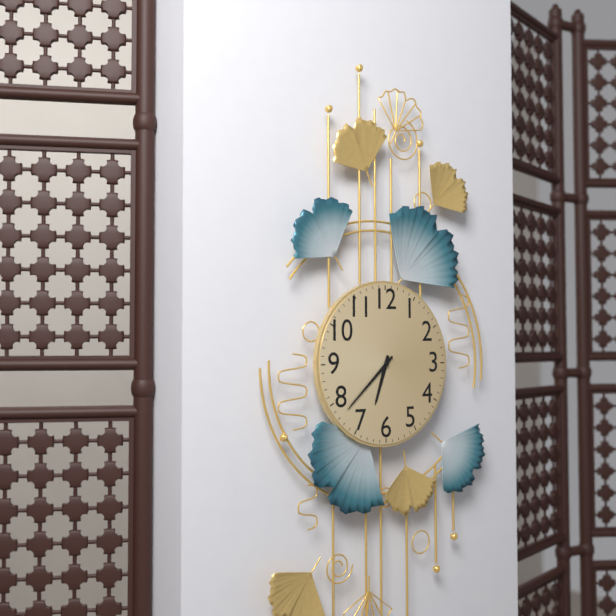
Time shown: 6:38
